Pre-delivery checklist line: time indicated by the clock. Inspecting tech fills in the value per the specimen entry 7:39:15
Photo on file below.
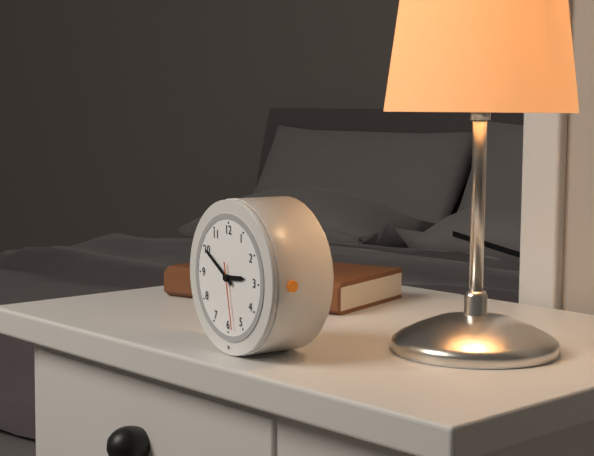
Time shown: 2:50:28
